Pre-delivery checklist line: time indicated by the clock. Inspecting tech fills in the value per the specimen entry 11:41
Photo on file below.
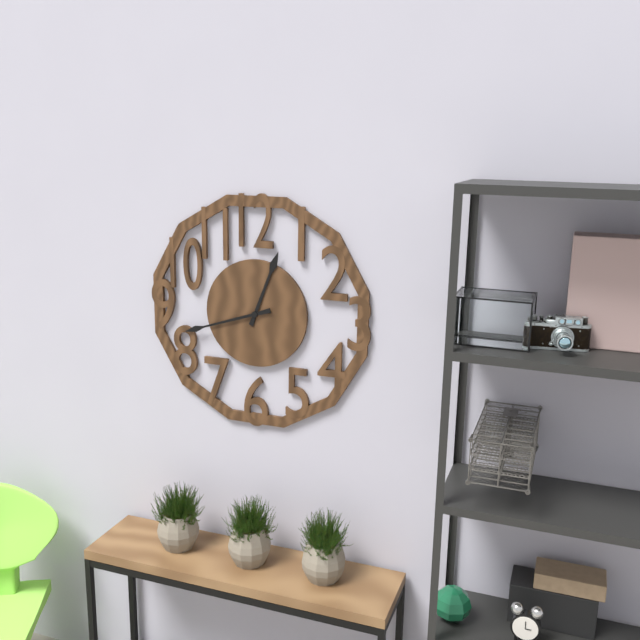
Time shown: 12:42
